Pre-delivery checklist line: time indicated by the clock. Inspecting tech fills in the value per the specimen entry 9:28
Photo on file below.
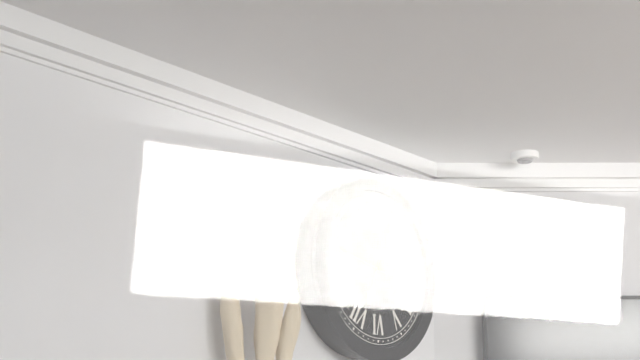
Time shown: 6:47
